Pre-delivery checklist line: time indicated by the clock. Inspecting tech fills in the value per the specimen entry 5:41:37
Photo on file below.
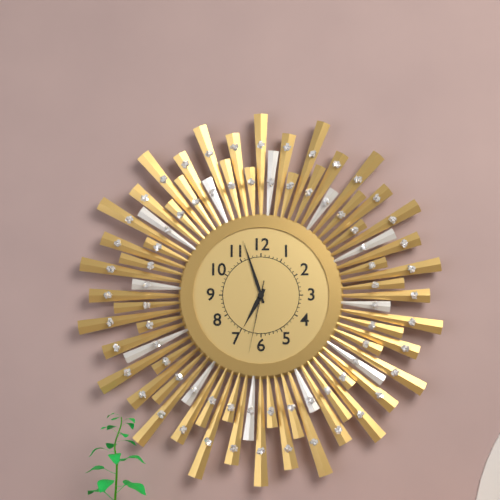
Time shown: 6:57:32
